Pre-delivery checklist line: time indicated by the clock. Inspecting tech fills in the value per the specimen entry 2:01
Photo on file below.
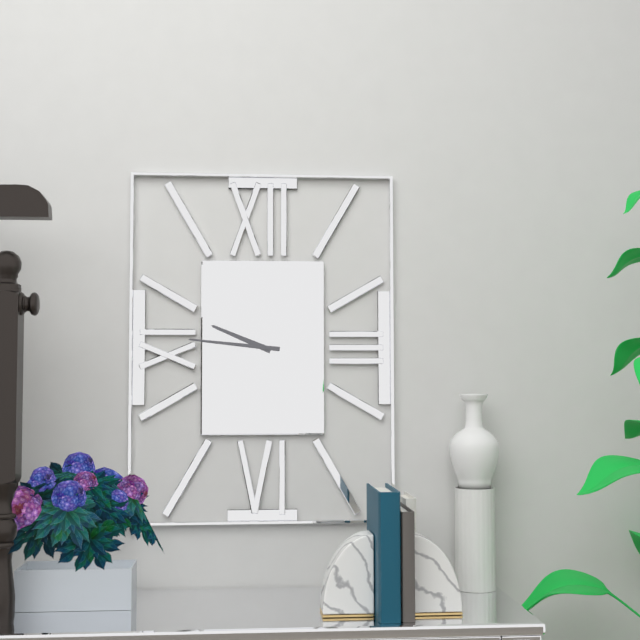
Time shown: 9:46
